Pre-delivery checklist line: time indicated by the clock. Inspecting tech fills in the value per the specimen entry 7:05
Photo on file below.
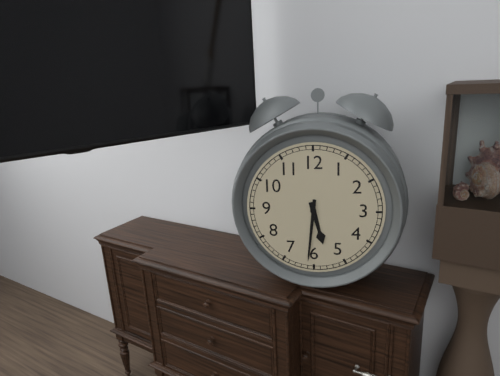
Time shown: 5:31
